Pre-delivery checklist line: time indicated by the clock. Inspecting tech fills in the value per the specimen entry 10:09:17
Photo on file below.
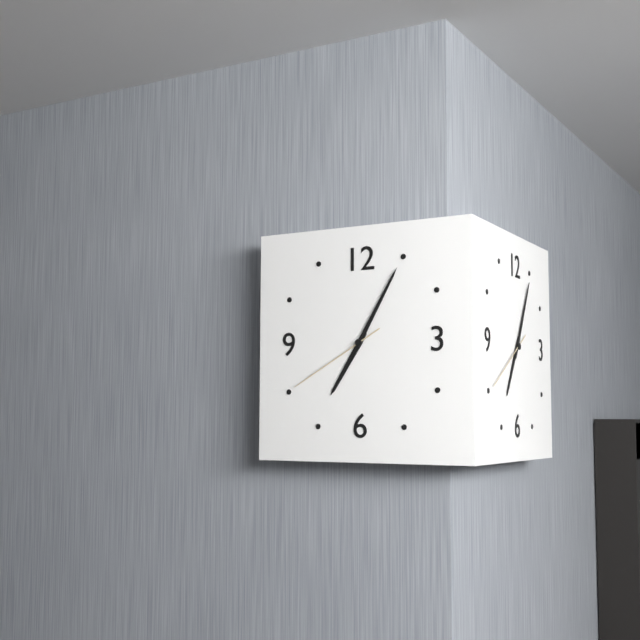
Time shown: 7:05:40
